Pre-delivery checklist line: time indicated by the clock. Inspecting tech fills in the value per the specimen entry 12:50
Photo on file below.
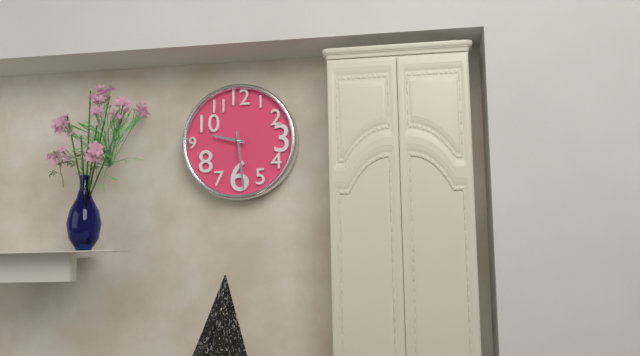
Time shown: 9:29
